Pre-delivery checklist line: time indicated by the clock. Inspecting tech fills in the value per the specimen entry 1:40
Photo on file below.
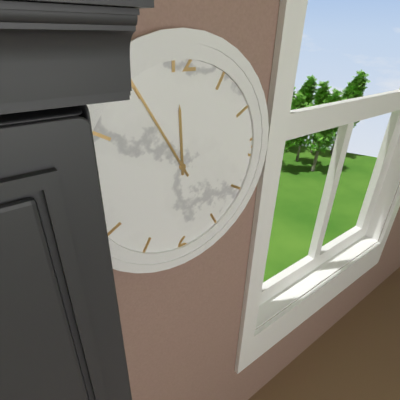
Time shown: 11:55
